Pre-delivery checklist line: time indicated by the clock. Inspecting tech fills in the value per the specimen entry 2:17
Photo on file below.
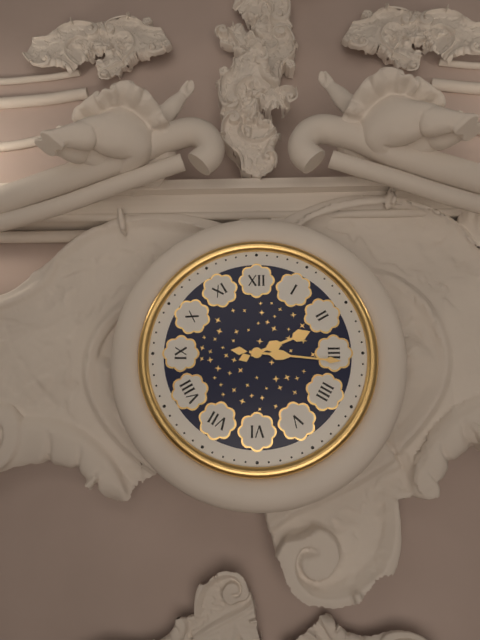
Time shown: 2:16
